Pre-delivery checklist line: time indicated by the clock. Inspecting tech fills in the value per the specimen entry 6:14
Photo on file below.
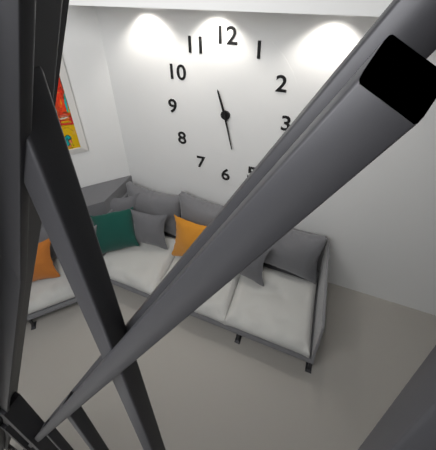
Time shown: 11:28
